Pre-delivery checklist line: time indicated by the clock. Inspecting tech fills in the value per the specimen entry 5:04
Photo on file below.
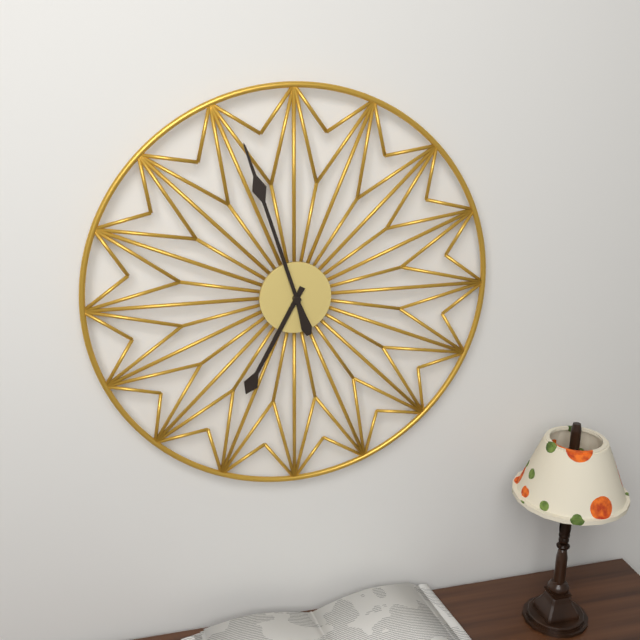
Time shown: 6:57
